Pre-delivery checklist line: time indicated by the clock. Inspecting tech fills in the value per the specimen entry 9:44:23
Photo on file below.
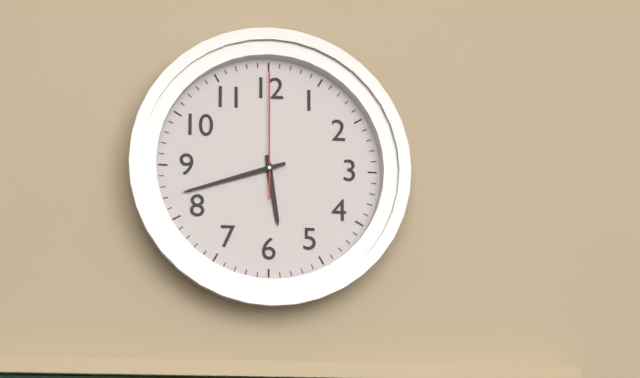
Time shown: 5:42:00
